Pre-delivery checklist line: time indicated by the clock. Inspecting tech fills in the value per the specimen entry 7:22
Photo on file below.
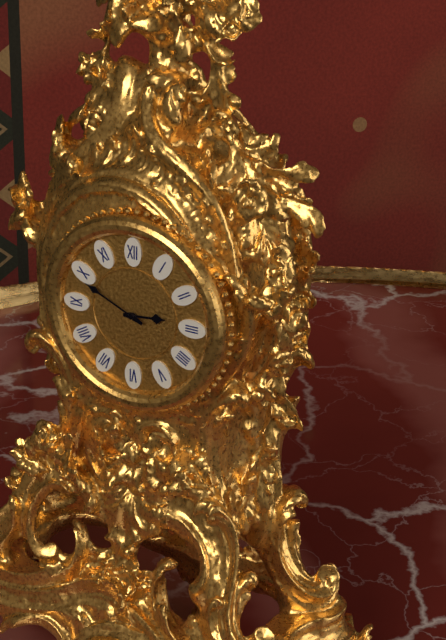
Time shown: 2:49
